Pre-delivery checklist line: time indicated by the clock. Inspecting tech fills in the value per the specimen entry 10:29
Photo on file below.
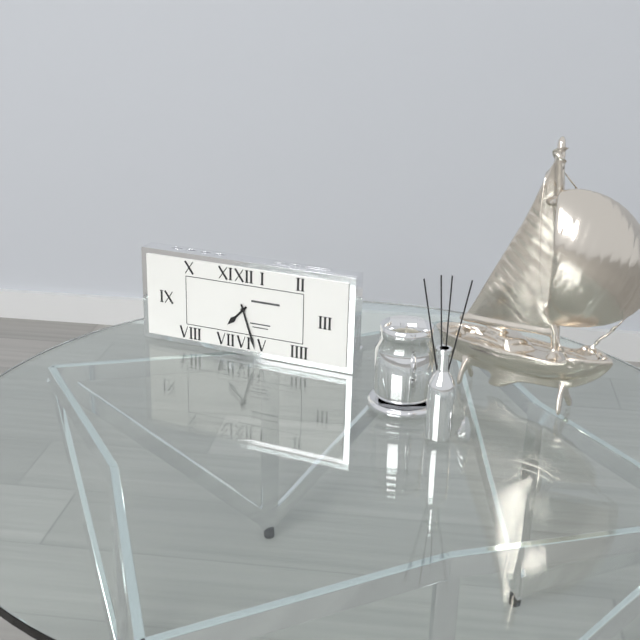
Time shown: 7:27
